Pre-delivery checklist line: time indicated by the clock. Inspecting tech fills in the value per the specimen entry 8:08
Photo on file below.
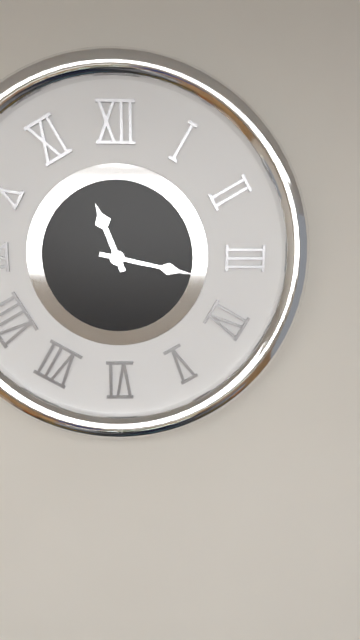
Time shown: 11:17
